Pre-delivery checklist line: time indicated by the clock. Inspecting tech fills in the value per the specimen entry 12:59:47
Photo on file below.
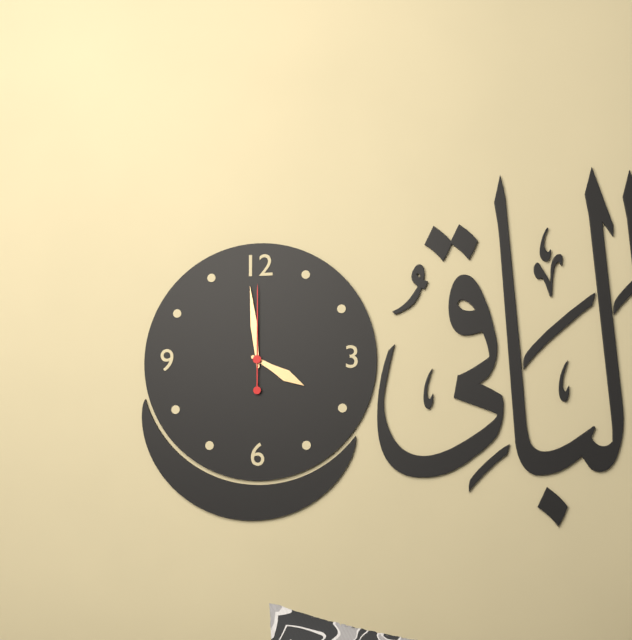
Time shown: 3:59:00
